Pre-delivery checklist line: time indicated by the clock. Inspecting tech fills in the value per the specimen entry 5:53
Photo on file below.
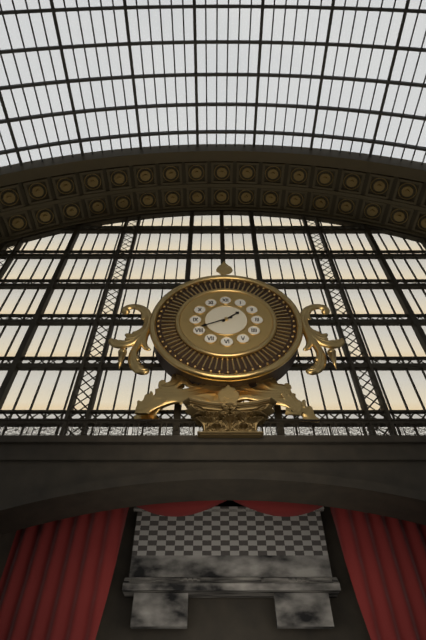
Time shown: 1:41
